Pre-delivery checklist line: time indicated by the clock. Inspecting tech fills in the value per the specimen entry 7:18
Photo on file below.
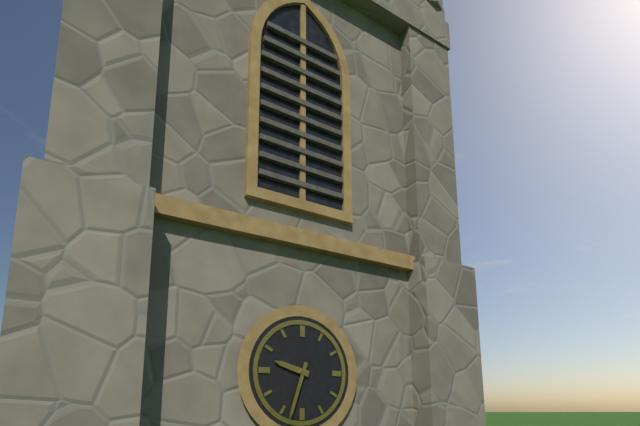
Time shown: 9:33
